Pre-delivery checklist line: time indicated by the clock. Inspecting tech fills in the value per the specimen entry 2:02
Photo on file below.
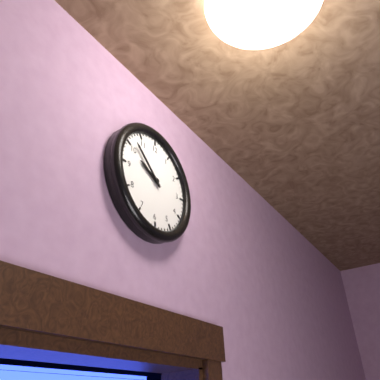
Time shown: 9:52
